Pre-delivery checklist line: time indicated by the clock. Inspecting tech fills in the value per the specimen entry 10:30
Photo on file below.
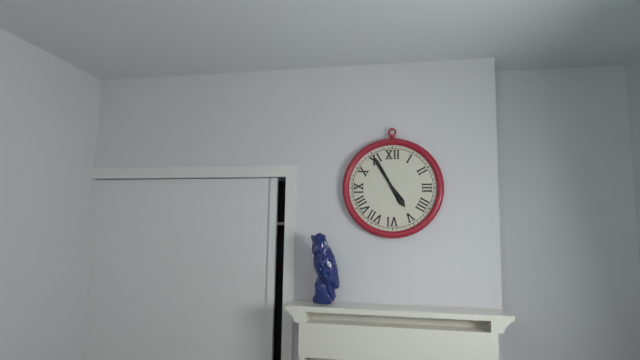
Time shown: 4:55
